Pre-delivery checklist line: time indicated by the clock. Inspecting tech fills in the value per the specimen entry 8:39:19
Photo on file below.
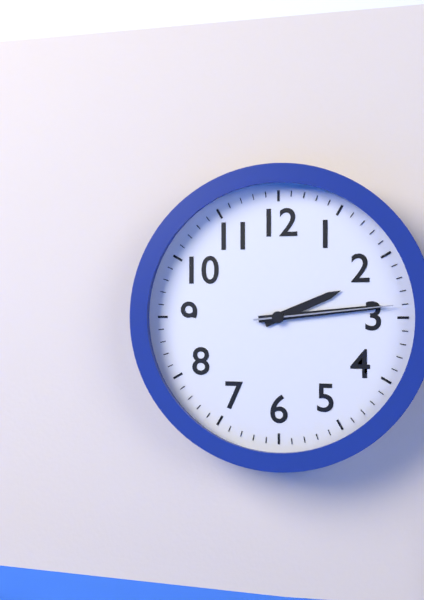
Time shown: 2:14:14
